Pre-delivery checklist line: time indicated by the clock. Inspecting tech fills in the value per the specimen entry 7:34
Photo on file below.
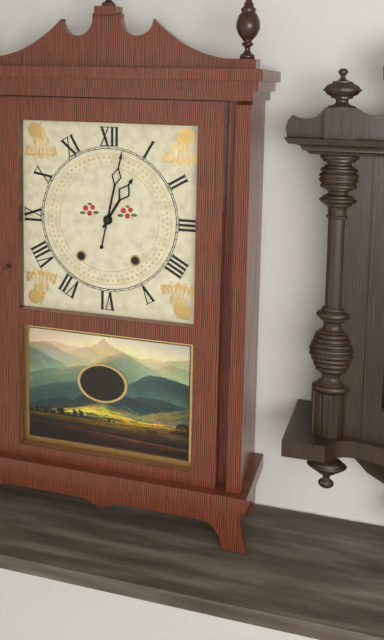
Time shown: 1:02
